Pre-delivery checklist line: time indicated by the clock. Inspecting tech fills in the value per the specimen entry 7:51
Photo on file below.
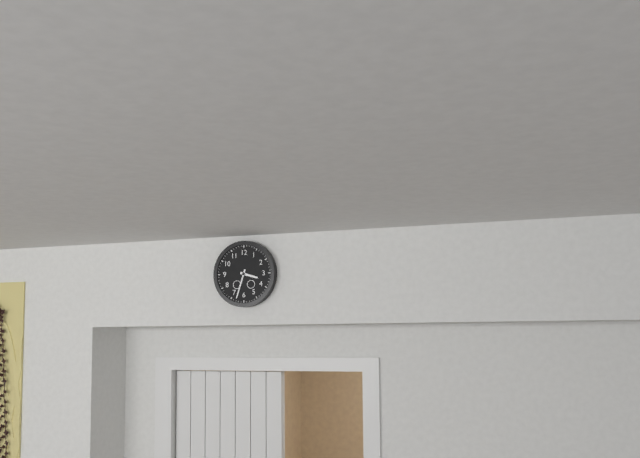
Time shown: 3:33
